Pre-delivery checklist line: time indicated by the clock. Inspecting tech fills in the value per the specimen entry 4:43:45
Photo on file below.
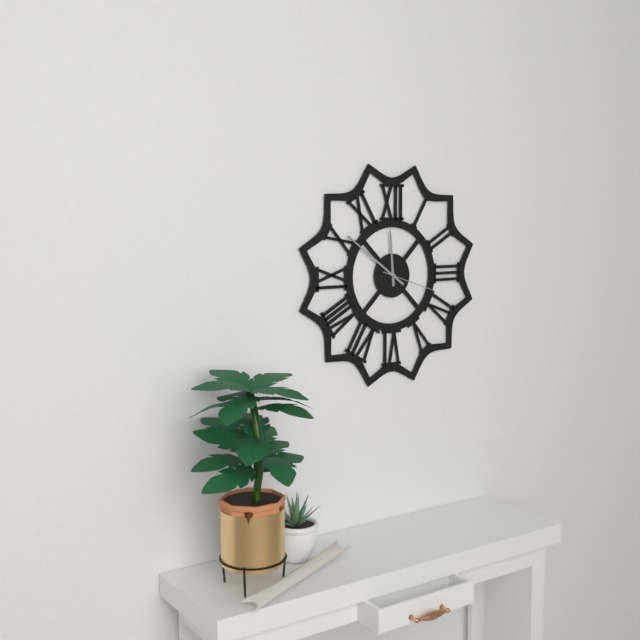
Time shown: 11:51:18
